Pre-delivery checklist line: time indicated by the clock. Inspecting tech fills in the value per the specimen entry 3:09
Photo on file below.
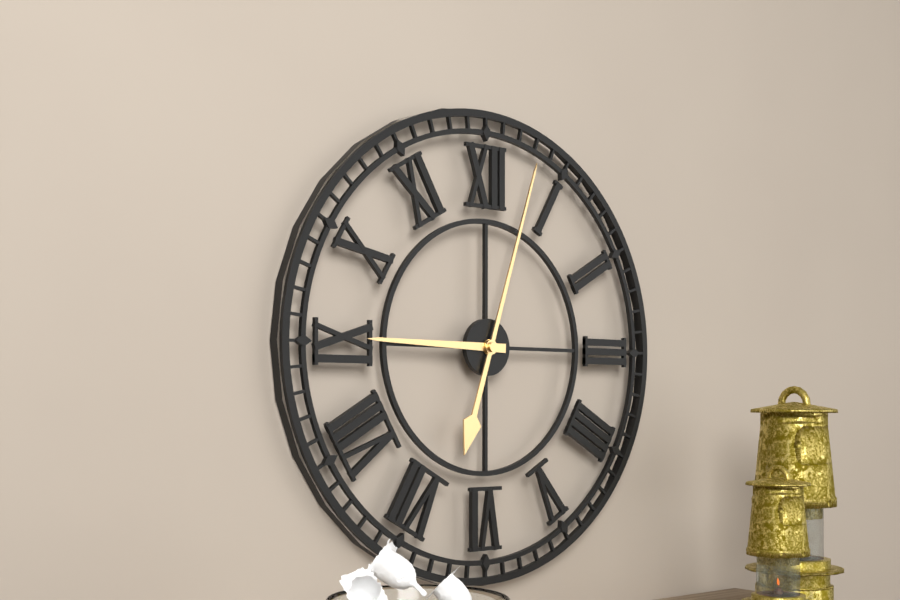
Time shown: 9:03
